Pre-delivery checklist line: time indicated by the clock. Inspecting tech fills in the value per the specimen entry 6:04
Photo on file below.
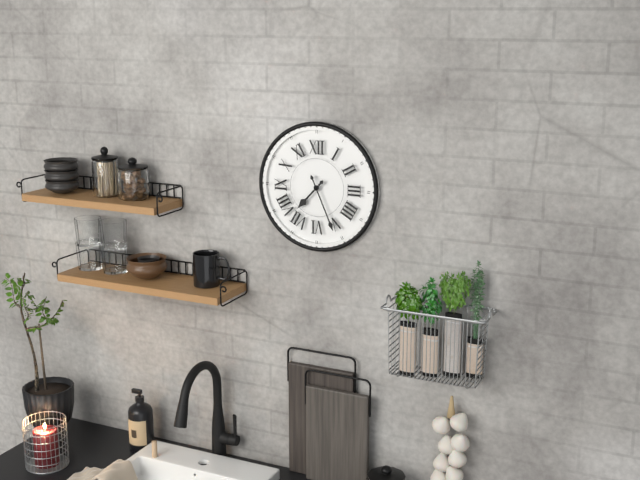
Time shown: 7:26
